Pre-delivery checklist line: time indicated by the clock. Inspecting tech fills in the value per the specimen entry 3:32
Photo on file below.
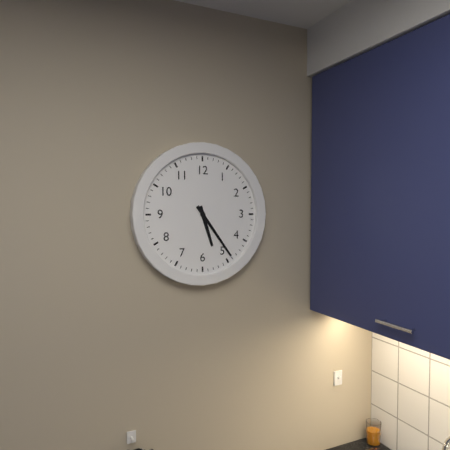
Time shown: 5:24
